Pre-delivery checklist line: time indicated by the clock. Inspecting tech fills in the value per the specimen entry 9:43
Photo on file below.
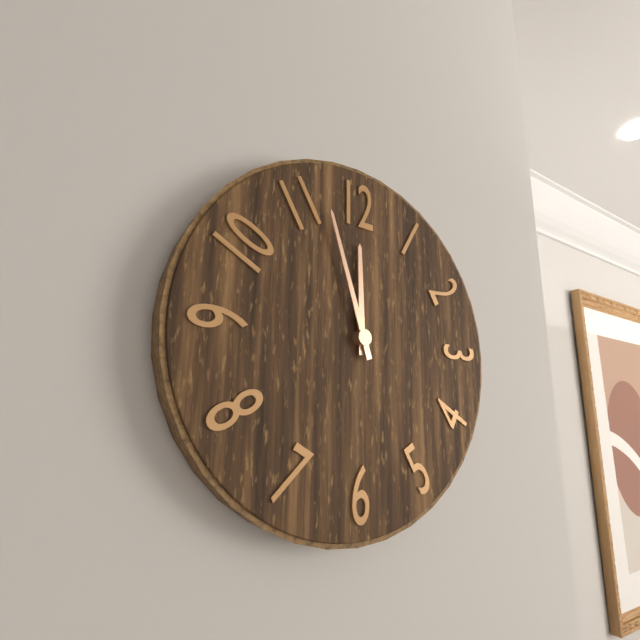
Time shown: 11:57
